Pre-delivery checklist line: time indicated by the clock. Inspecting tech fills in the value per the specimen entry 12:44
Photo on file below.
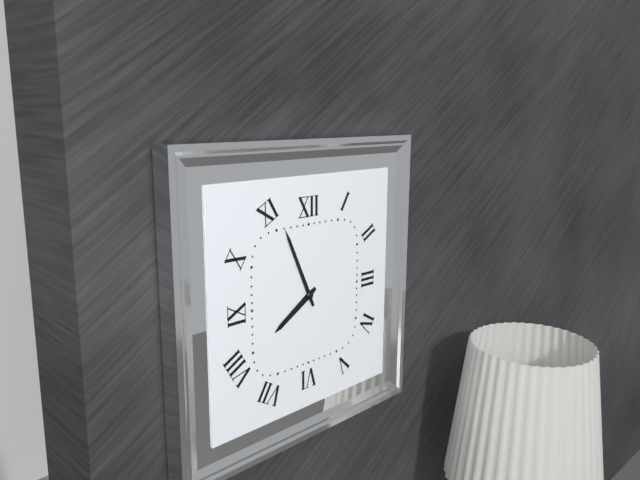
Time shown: 7:56
